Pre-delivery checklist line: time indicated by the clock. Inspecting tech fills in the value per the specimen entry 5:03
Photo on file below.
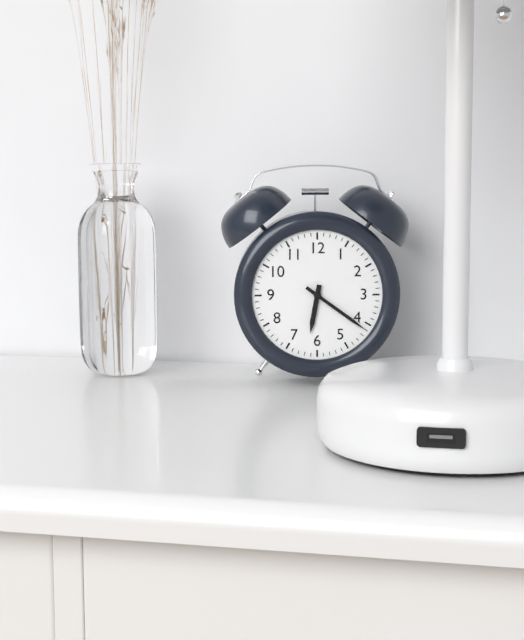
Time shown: 6:21
